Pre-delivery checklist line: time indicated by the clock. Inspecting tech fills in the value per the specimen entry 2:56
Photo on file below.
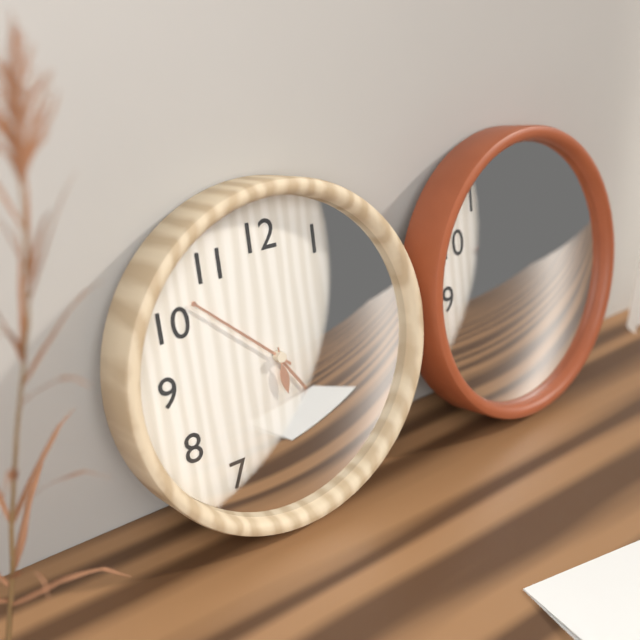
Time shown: 4:52
